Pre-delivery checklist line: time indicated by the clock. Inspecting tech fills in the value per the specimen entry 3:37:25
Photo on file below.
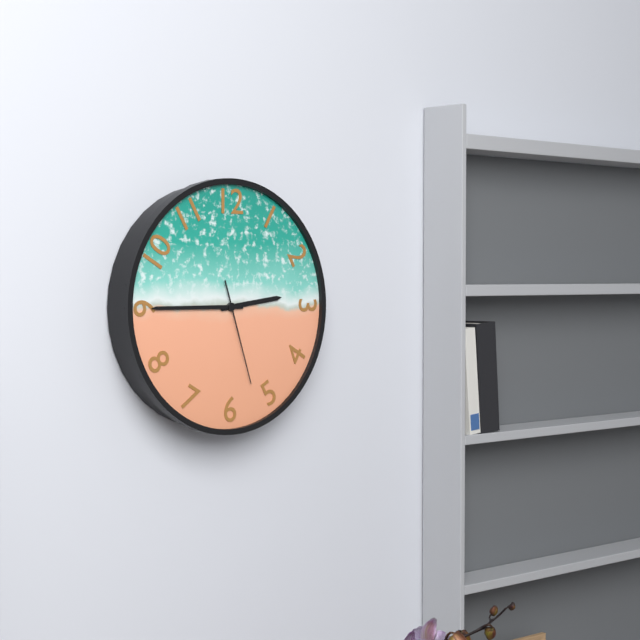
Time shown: 2:45:27
